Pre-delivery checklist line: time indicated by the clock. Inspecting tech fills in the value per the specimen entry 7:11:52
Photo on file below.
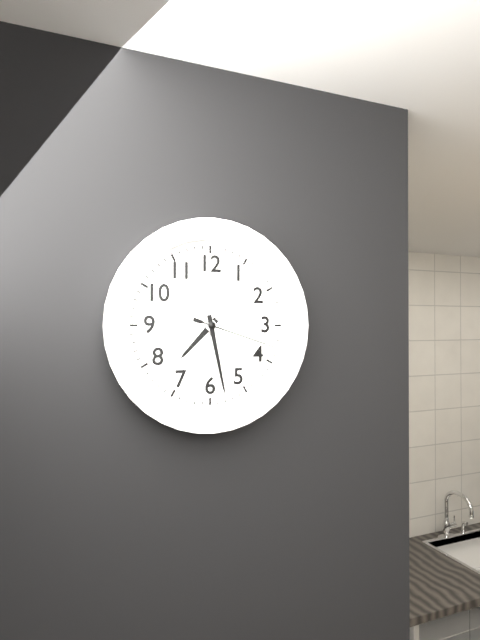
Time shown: 7:28:18
